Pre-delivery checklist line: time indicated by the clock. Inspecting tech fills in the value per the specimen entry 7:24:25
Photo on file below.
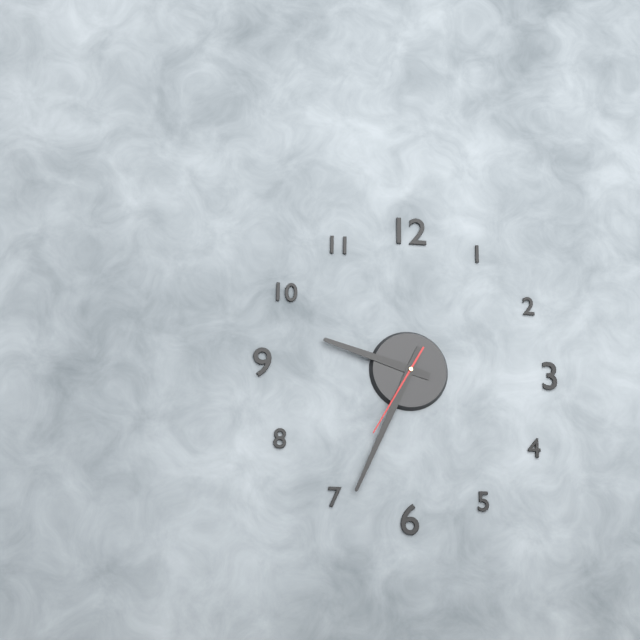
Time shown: 9:34:35
